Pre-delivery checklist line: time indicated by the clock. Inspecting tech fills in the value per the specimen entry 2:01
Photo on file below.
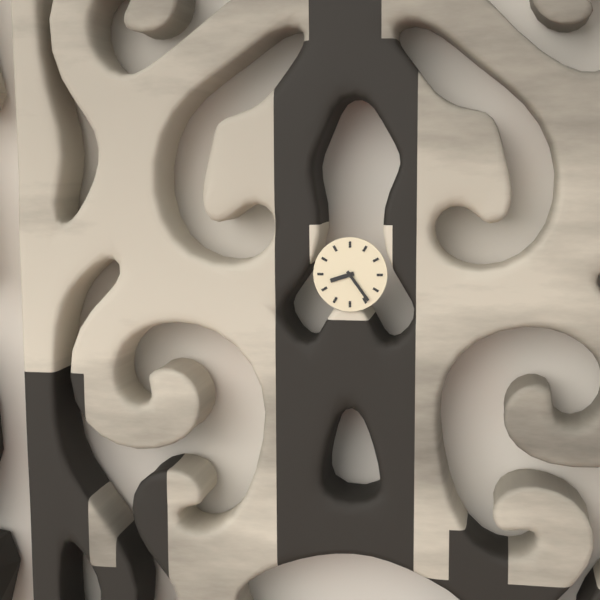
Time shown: 8:24
